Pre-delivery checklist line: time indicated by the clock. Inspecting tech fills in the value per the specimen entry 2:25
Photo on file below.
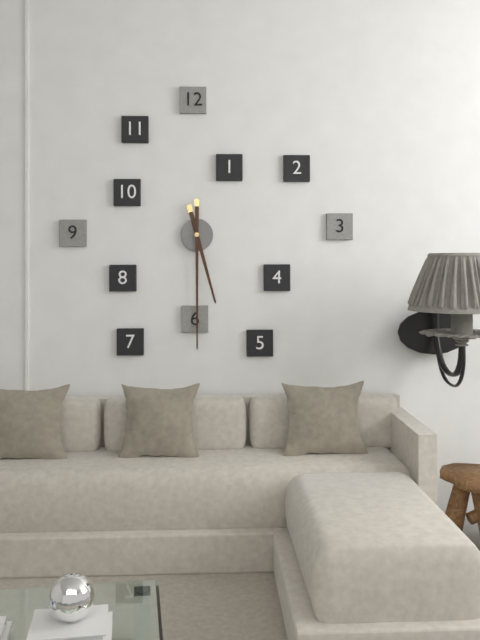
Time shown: 5:30
